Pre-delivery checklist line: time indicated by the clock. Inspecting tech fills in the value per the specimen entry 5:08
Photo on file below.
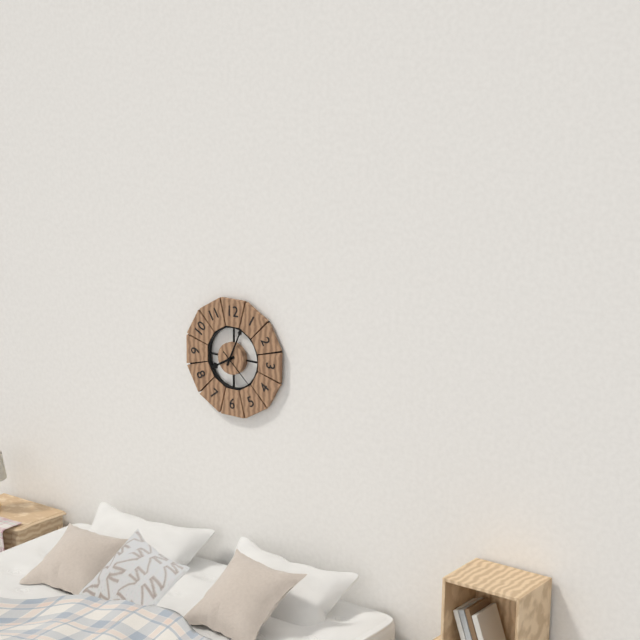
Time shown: 8:04
